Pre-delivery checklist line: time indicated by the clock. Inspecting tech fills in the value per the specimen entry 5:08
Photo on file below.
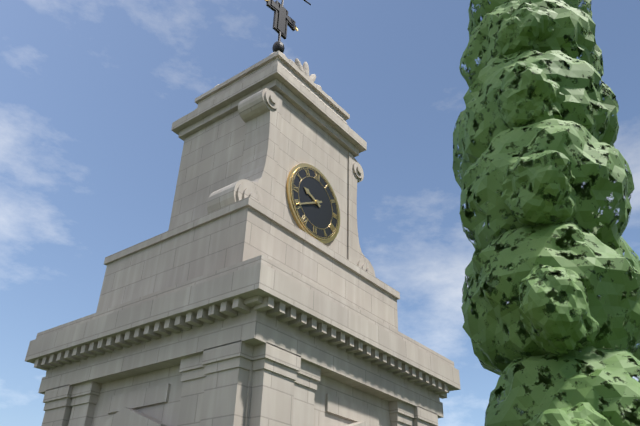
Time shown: 9:40
